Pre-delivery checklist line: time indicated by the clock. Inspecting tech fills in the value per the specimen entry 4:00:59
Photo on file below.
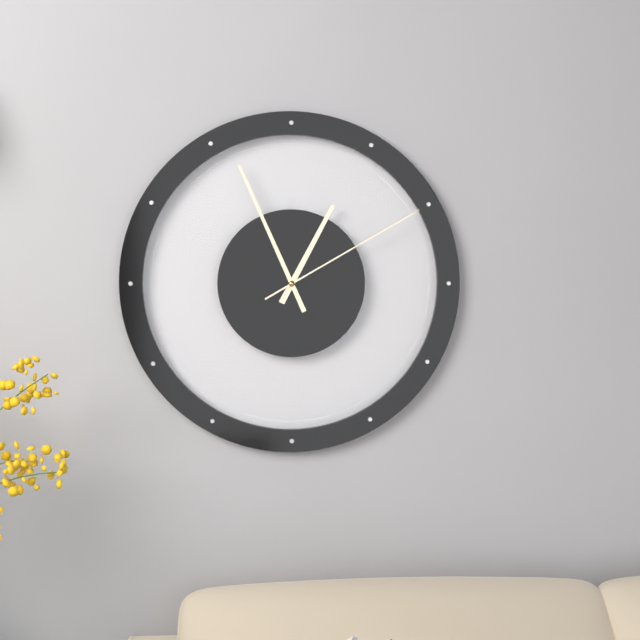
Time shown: 12:56:10
